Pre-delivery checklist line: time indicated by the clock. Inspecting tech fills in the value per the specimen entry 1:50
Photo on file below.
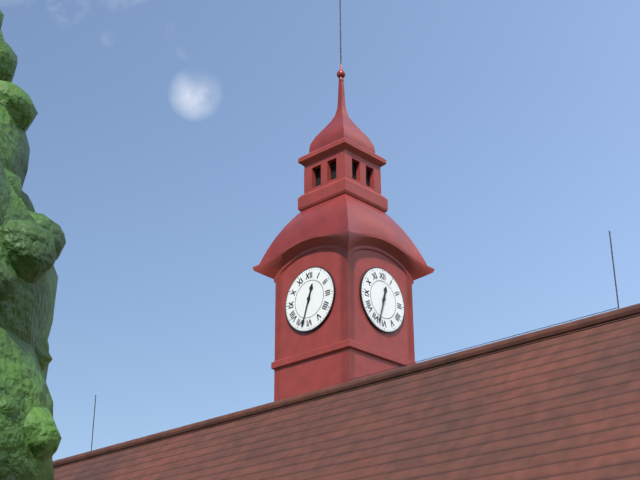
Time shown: 12:33
